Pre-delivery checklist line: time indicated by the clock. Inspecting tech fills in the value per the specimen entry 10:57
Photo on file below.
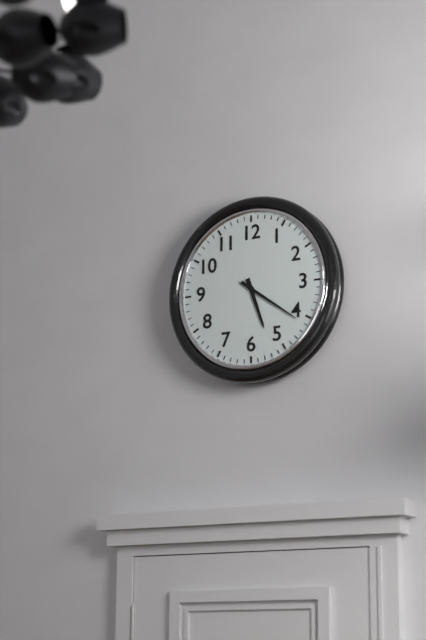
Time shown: 5:21
